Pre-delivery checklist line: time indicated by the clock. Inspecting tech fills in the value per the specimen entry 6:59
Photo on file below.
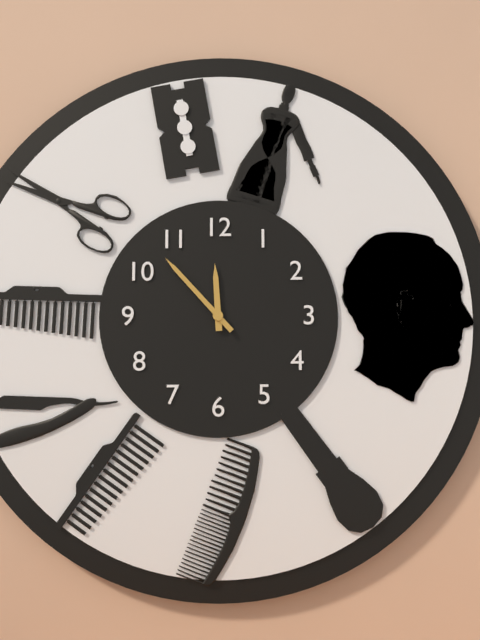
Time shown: 11:53
